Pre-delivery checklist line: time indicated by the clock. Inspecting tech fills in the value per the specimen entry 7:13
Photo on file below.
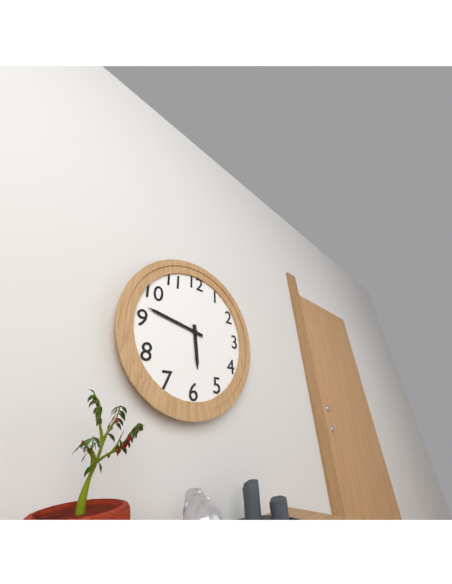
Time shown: 5:47
